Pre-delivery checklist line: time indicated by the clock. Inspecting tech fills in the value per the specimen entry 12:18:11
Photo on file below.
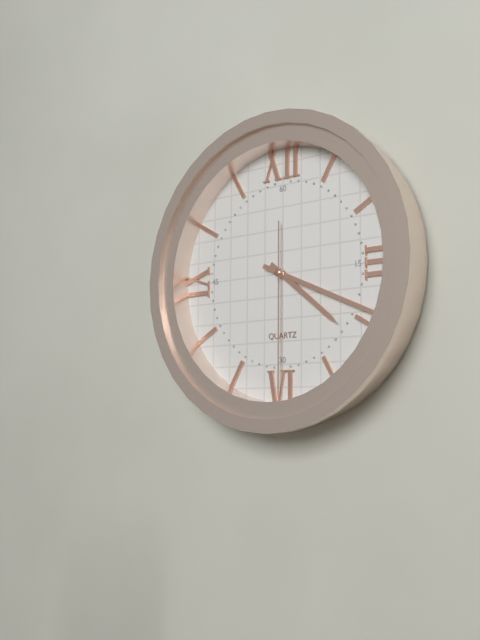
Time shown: 4:19:30
